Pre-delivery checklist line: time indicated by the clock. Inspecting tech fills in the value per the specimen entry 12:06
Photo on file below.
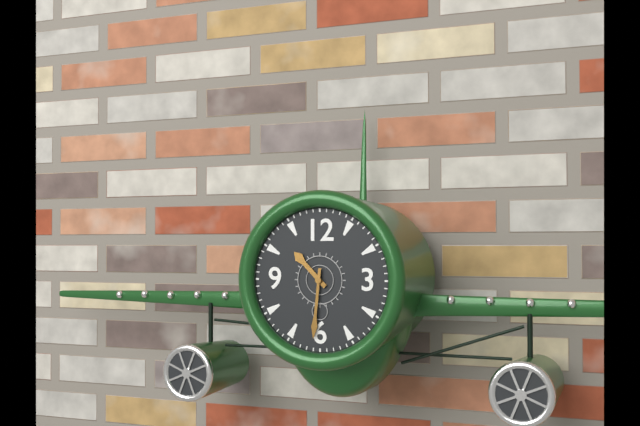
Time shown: 10:31
